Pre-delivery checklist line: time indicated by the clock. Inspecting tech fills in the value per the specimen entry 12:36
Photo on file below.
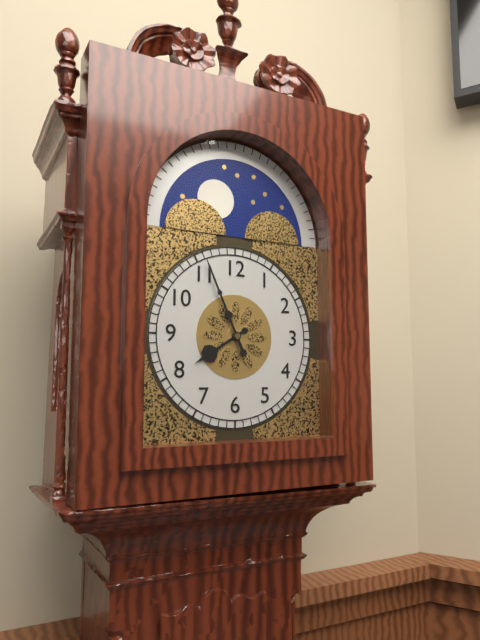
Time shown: 7:56
